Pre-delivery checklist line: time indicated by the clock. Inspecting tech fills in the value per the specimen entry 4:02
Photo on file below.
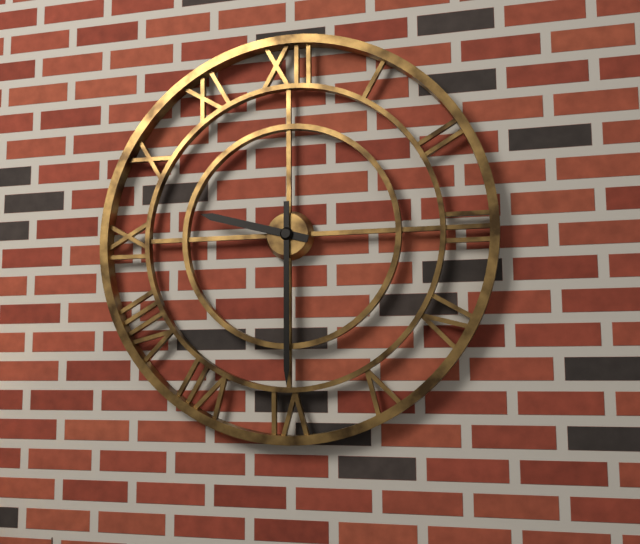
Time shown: 9:30
